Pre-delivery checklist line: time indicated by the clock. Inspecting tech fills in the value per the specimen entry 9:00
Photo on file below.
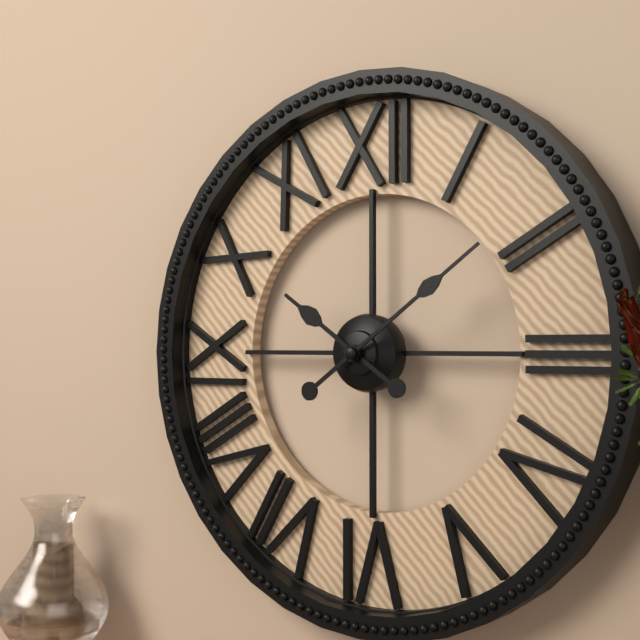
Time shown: 10:09
